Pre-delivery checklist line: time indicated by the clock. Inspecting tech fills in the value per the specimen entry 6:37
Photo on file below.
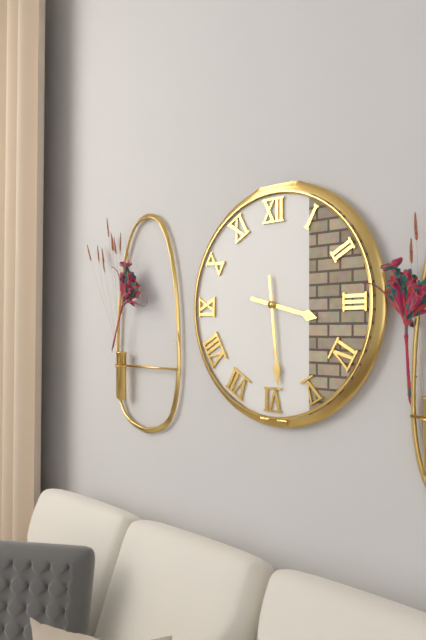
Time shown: 3:29
